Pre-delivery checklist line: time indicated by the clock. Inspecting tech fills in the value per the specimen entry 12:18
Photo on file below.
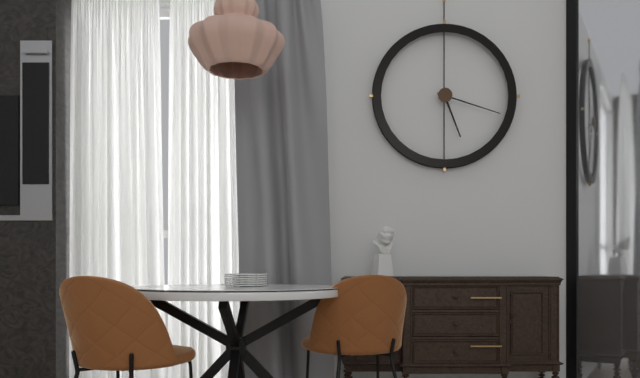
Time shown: 5:18
